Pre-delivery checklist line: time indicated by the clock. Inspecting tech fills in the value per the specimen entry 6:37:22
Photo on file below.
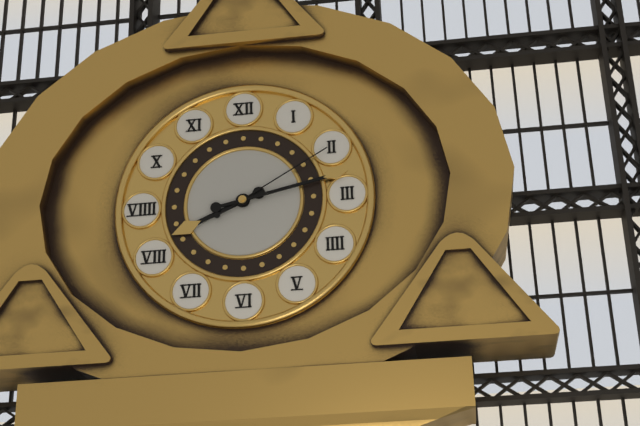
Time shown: 8:13:10
